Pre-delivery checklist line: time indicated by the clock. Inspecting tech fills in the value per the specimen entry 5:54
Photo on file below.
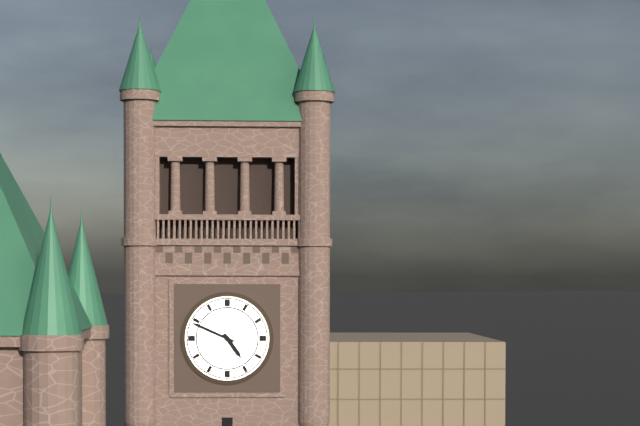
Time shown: 4:49
